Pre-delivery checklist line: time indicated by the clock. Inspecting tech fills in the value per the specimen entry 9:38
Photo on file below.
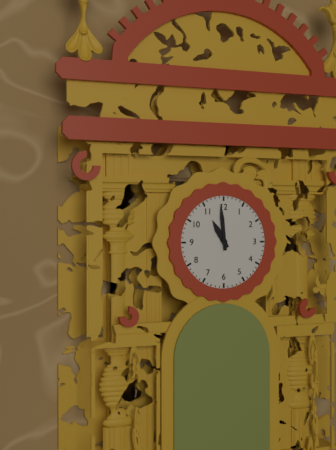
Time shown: 10:59
